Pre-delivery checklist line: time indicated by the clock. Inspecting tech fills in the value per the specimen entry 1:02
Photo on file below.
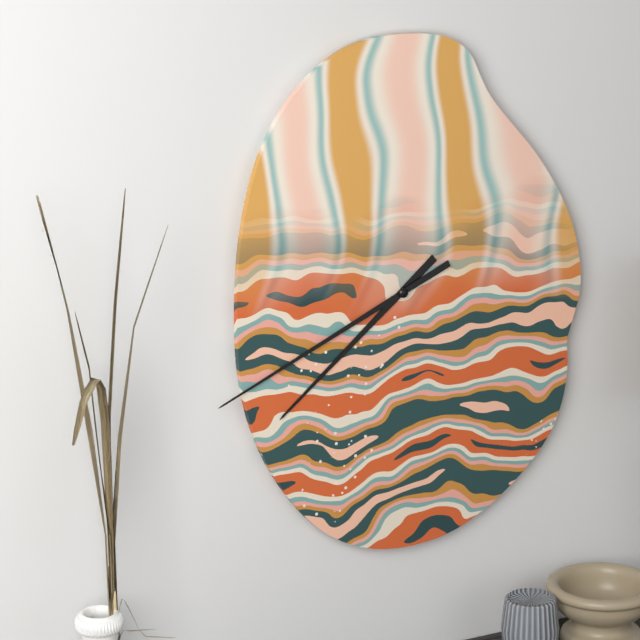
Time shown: 7:41
